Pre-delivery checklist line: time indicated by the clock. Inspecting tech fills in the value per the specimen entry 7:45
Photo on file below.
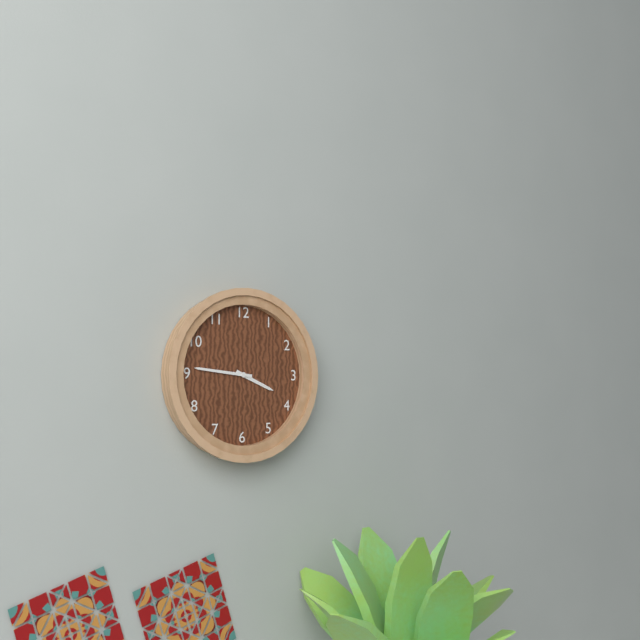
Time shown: 3:46
